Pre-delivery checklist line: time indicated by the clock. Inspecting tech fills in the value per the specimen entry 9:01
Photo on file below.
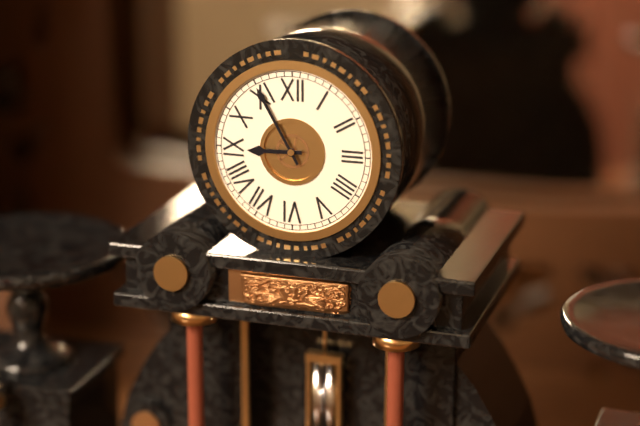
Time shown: 8:55
